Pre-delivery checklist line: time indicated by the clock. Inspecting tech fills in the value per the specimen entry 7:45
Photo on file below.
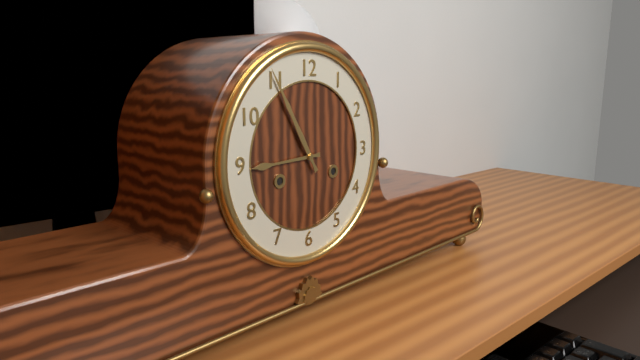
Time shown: 8:55
